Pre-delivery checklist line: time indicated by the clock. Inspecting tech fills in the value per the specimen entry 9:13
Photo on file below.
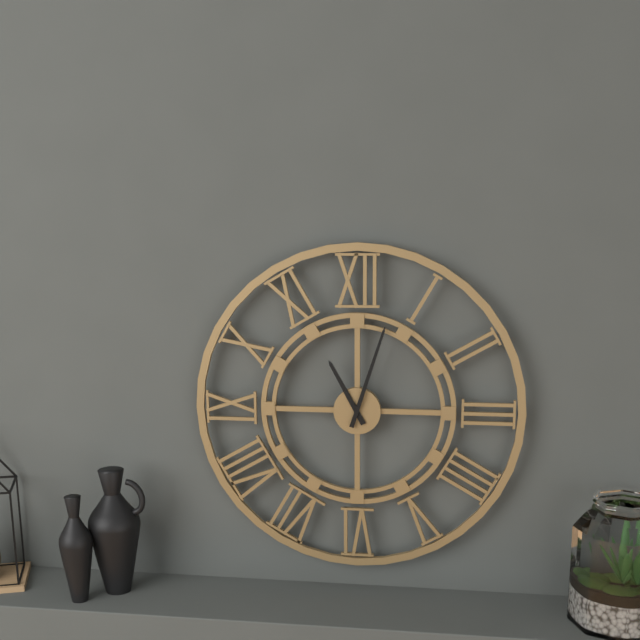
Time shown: 11:03
